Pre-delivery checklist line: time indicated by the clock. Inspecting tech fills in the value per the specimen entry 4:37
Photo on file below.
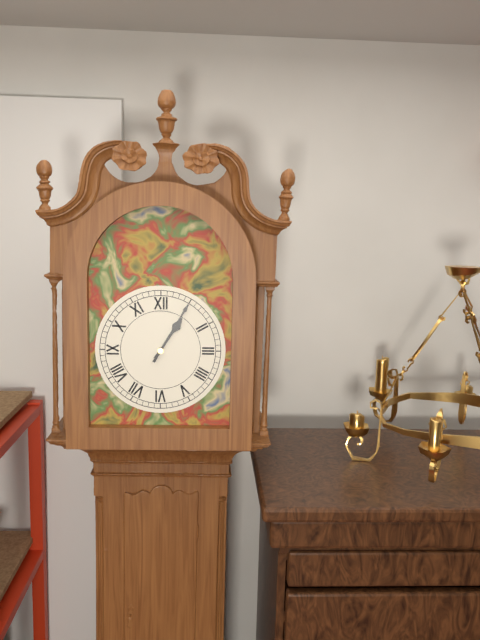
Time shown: 1:05
